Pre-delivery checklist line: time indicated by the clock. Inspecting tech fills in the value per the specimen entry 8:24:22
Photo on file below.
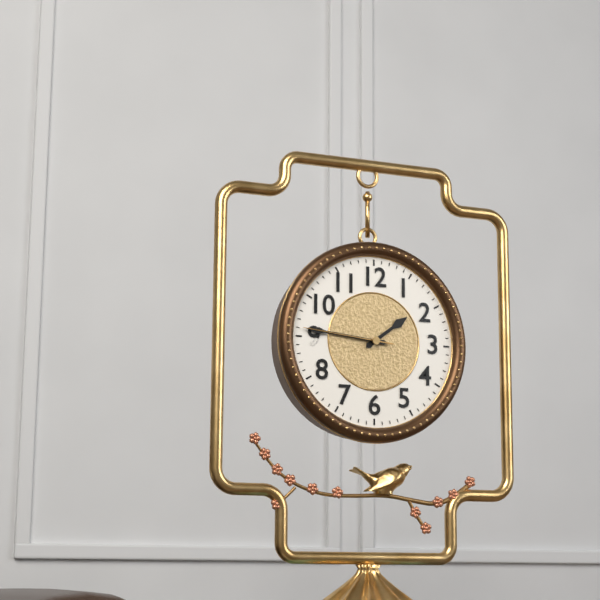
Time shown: 1:46:46
